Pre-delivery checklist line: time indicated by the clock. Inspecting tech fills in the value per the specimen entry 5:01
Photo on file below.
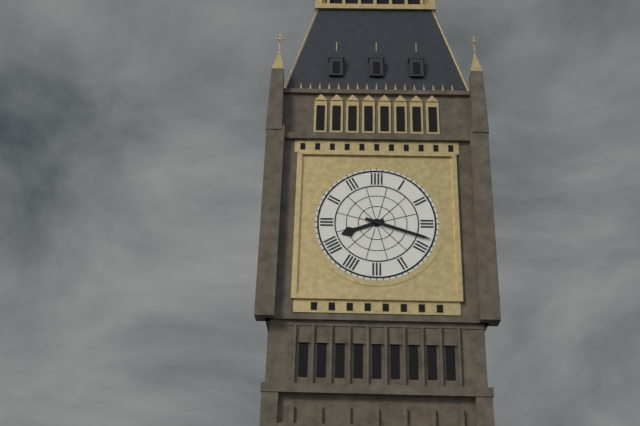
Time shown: 8:18
